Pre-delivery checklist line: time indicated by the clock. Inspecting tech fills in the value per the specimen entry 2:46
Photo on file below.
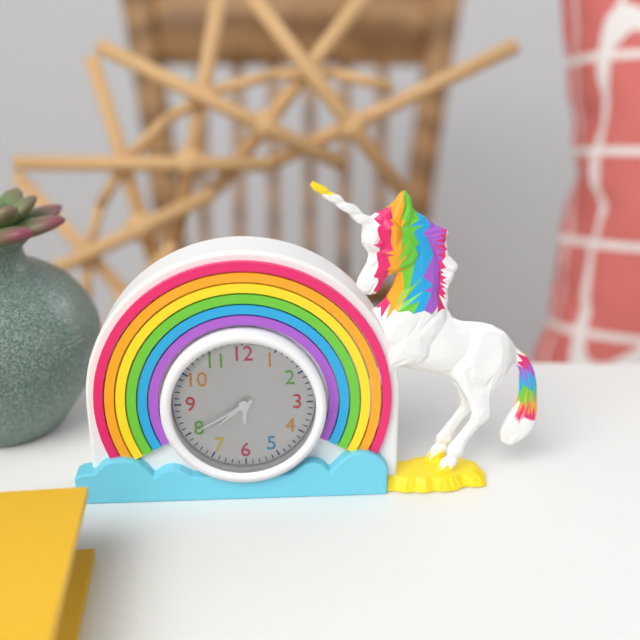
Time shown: 7:40
